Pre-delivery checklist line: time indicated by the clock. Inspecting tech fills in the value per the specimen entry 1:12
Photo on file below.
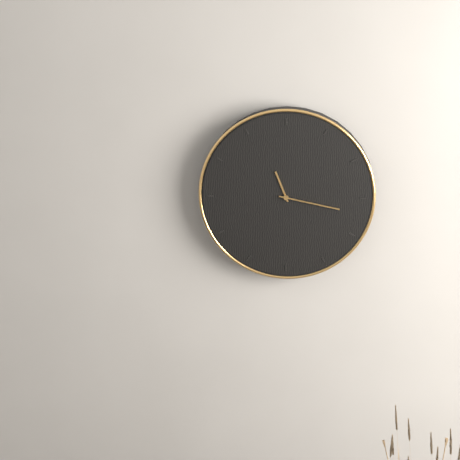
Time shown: 11:17
